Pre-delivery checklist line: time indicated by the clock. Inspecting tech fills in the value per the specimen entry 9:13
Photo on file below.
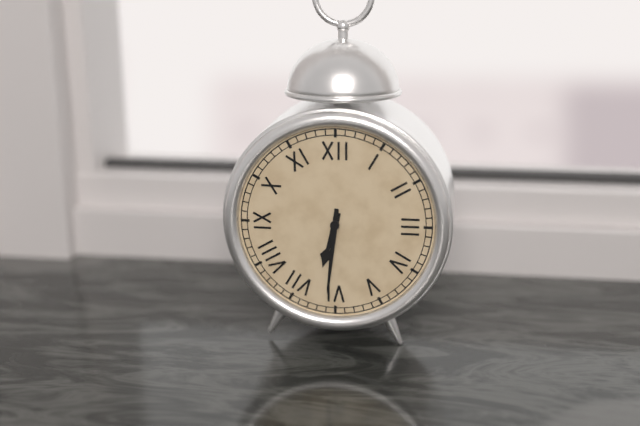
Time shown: 6:31
